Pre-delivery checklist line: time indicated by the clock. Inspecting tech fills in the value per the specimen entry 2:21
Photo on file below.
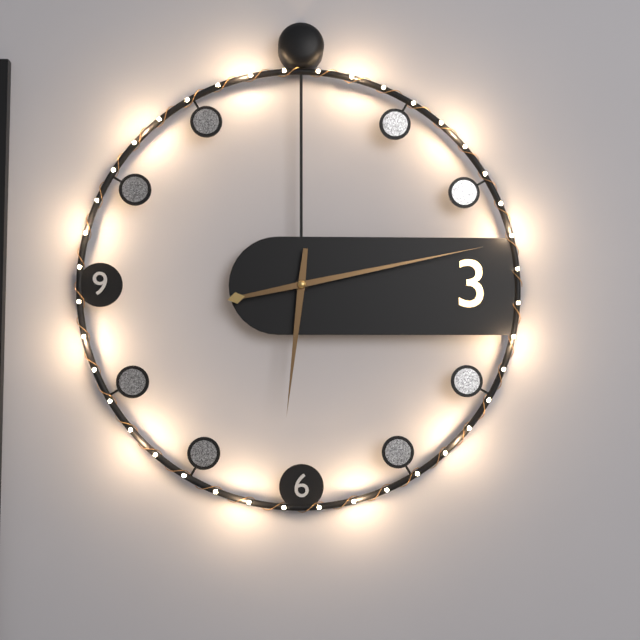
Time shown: 6:13
